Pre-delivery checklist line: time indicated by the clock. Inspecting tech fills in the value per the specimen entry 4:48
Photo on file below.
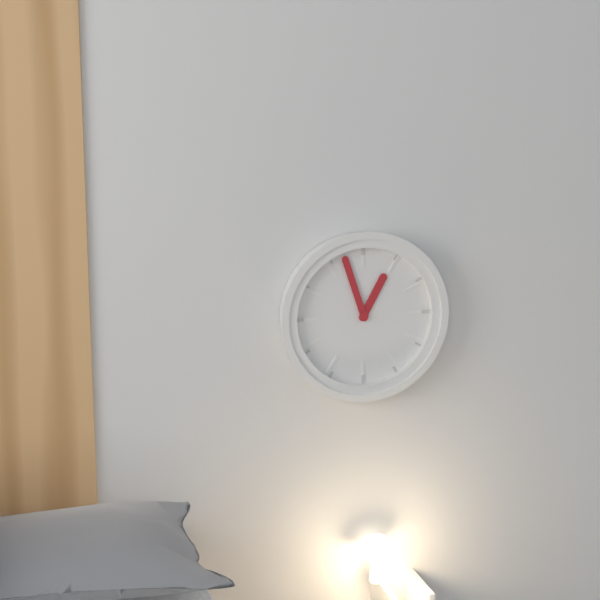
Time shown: 12:57
